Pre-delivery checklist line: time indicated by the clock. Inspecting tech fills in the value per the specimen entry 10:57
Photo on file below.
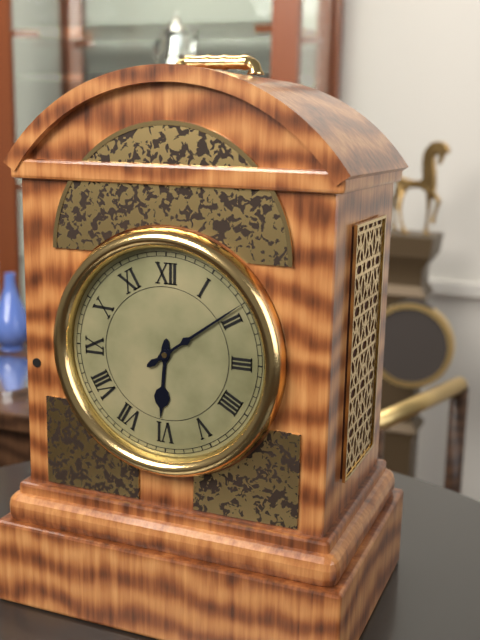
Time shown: 6:09
